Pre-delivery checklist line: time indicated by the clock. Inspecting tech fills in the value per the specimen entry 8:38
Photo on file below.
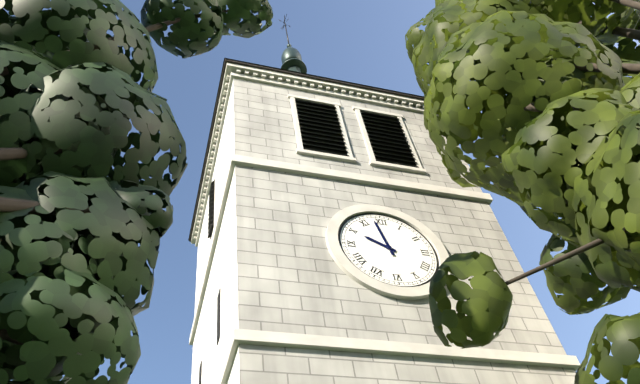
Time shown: 9:58
